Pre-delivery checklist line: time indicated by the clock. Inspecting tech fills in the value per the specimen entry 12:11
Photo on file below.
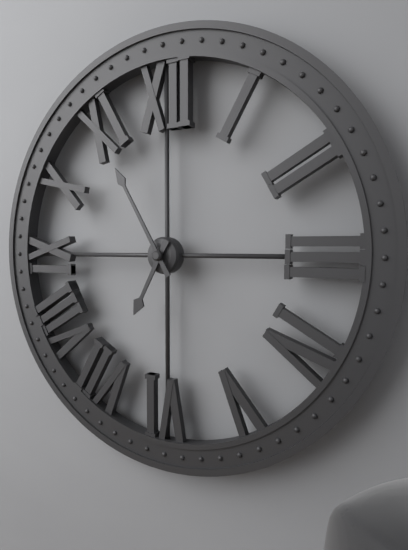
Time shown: 6:55
